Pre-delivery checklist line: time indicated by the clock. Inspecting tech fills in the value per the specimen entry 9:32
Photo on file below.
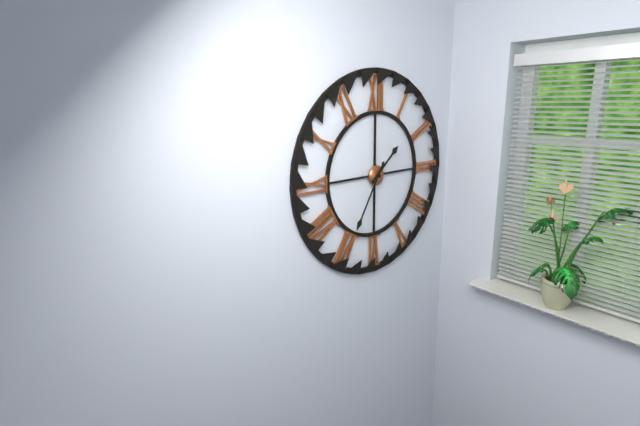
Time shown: 1:35
